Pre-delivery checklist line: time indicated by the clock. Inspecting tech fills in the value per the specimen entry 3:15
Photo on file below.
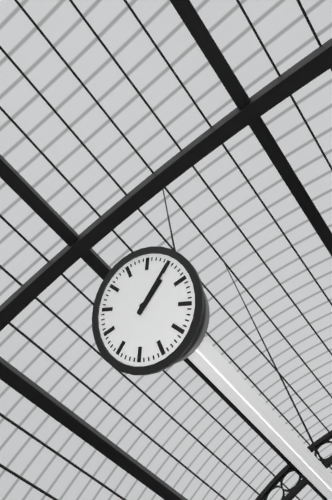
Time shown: 2:10
